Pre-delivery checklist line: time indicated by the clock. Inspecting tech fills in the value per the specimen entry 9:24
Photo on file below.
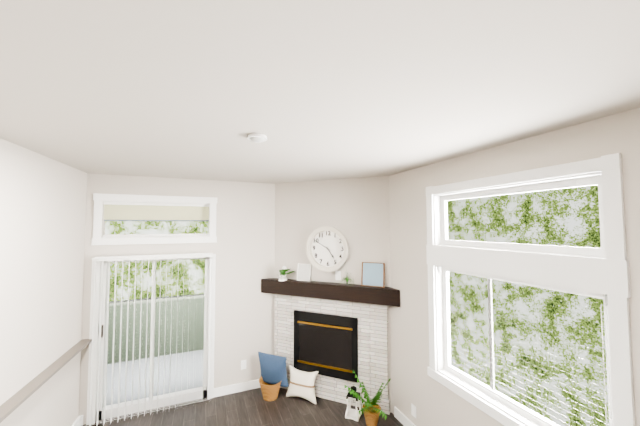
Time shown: 4:50
